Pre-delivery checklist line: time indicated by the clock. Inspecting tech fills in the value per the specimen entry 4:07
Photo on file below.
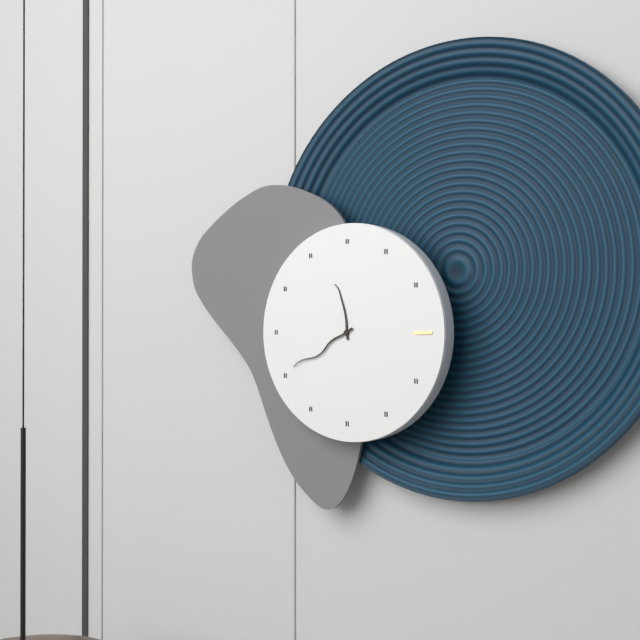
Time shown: 11:40
